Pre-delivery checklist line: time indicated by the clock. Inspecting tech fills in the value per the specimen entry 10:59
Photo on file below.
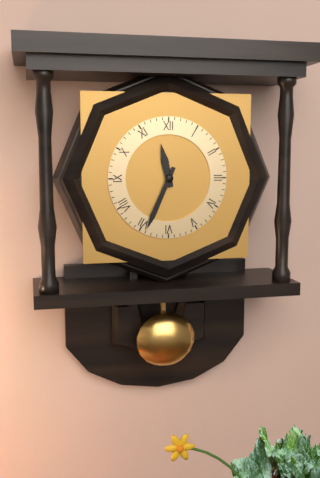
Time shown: 11:34
